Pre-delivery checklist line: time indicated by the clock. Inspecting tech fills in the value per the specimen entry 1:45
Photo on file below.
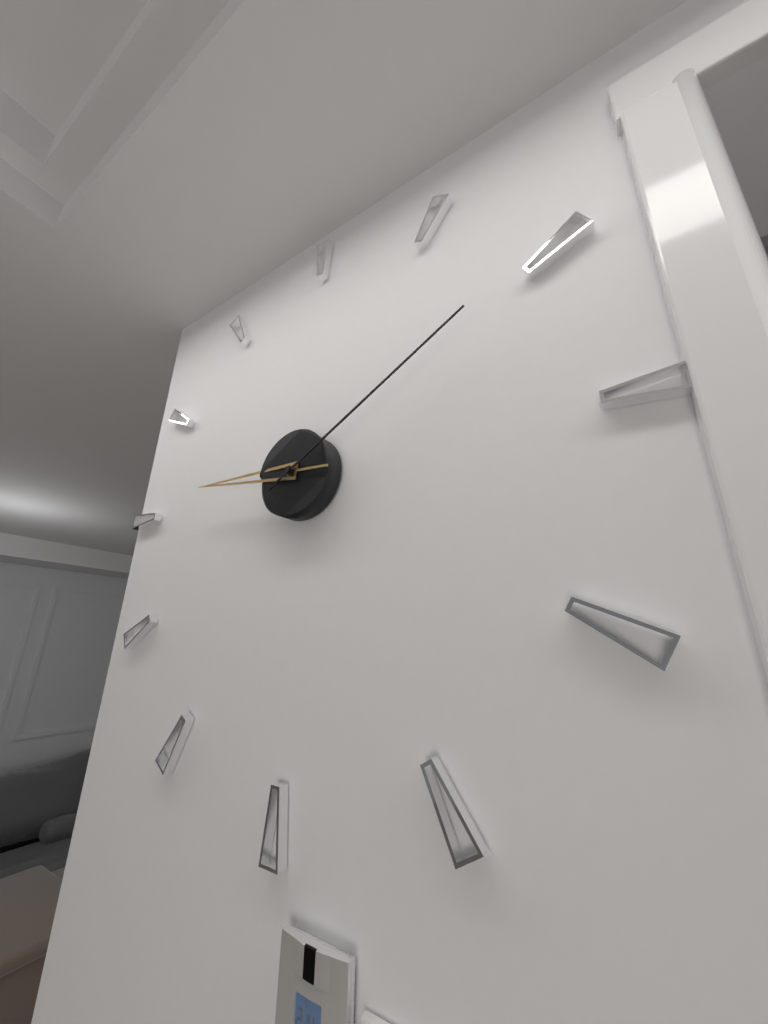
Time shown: 9:10
